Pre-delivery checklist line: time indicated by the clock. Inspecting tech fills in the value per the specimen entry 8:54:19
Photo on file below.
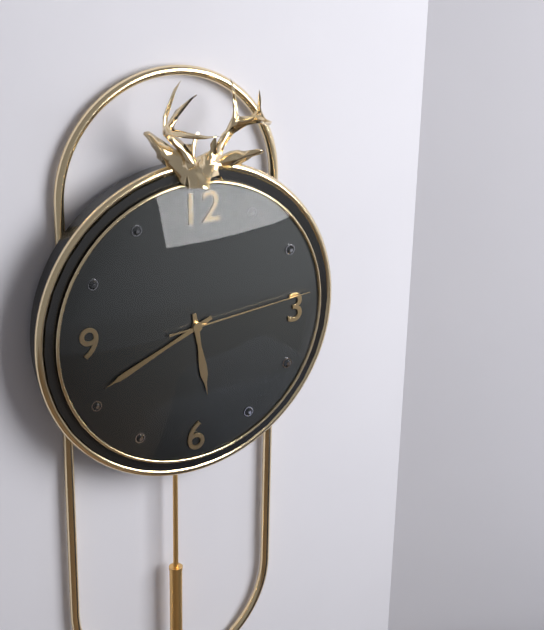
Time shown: 5:41:14
